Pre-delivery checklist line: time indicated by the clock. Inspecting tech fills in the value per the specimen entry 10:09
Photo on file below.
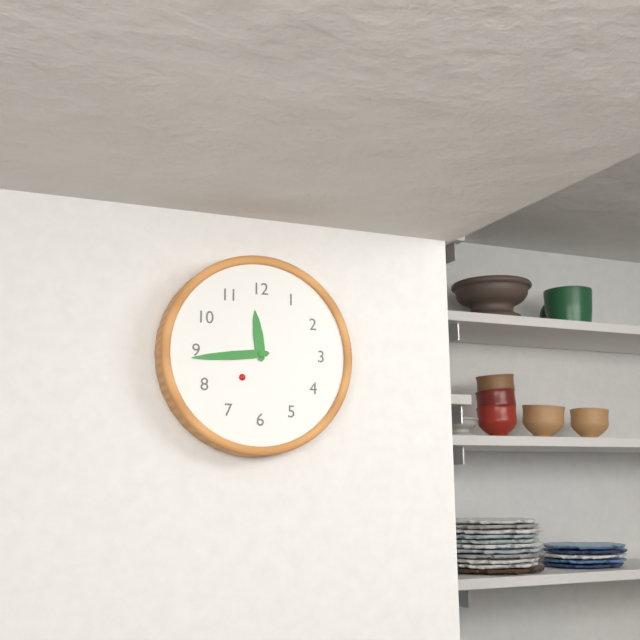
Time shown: 11:44
